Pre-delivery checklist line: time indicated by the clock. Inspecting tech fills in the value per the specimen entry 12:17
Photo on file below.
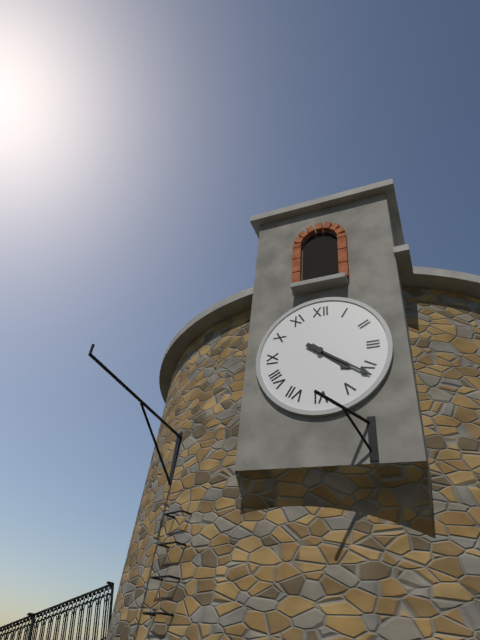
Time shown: 4:21
